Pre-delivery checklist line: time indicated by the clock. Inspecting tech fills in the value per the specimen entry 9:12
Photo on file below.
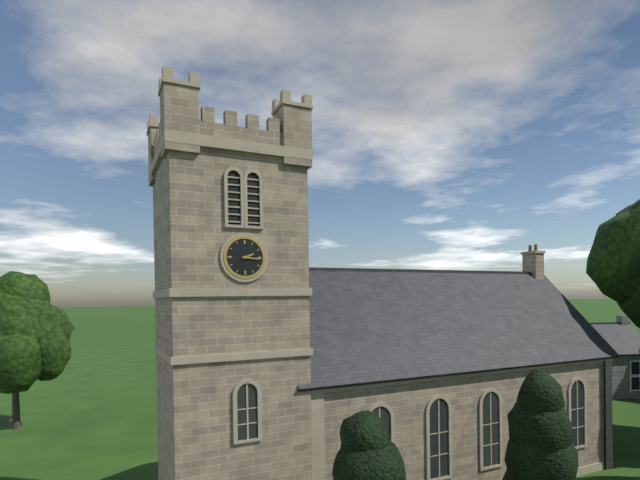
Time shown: 2:16
